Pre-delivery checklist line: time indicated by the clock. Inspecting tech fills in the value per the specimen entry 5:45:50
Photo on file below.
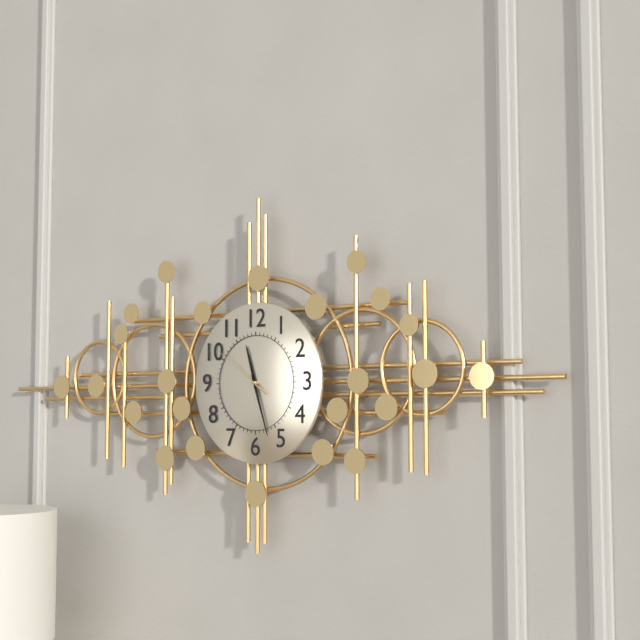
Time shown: 11:27:51
